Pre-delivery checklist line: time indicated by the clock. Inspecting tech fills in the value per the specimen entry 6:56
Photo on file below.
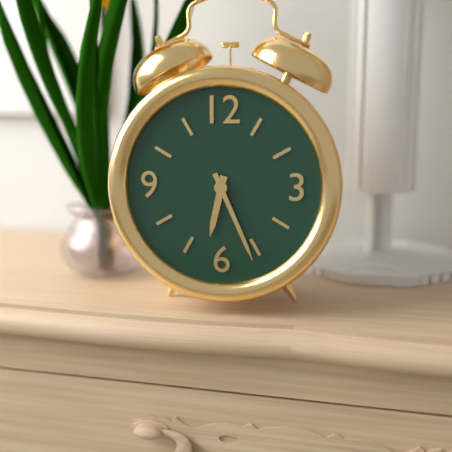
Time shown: 6:26
